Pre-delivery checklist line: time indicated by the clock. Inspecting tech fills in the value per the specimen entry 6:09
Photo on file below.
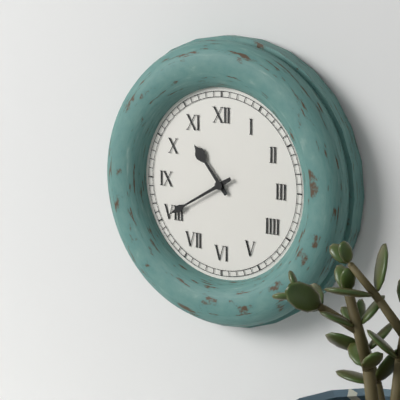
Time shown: 10:40
